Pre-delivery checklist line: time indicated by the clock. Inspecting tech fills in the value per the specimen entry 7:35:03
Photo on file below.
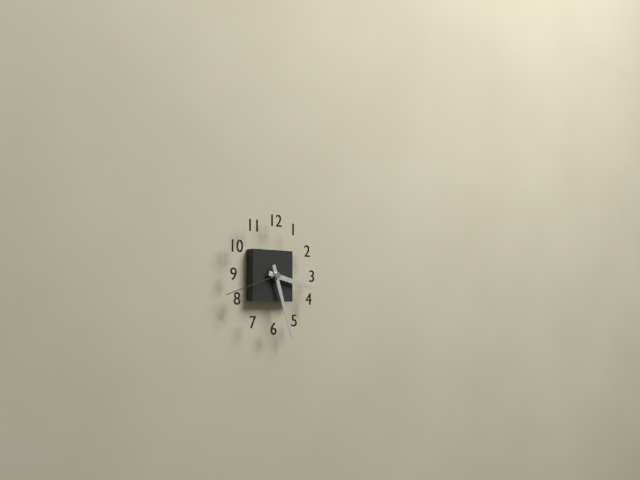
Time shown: 3:27:42
